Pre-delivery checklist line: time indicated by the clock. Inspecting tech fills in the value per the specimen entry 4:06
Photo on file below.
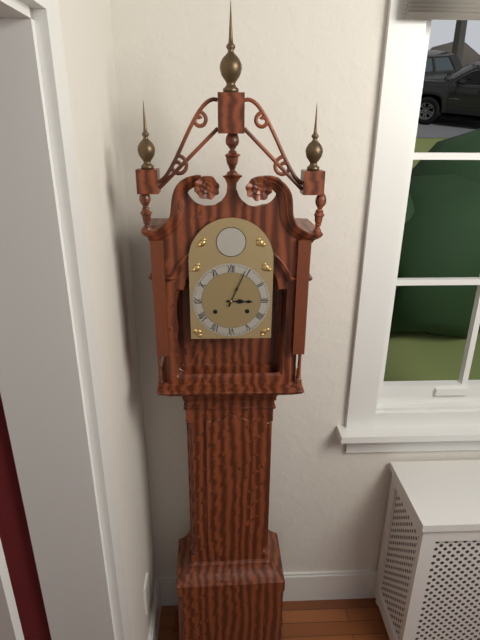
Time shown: 3:04
